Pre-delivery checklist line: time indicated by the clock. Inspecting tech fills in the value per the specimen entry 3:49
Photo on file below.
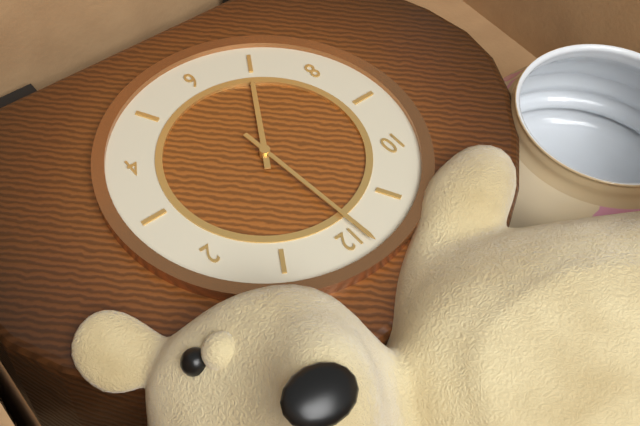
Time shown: 6:59
